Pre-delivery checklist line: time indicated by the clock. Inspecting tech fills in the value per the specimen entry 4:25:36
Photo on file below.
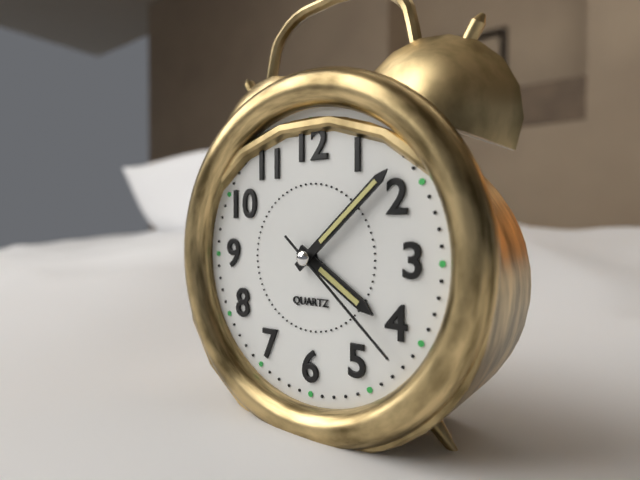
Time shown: 4:08:22
